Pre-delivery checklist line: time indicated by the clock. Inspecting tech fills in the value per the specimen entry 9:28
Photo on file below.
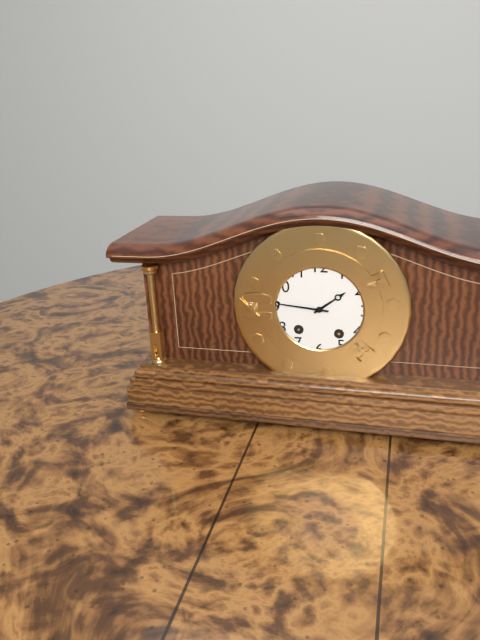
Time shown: 1:46
